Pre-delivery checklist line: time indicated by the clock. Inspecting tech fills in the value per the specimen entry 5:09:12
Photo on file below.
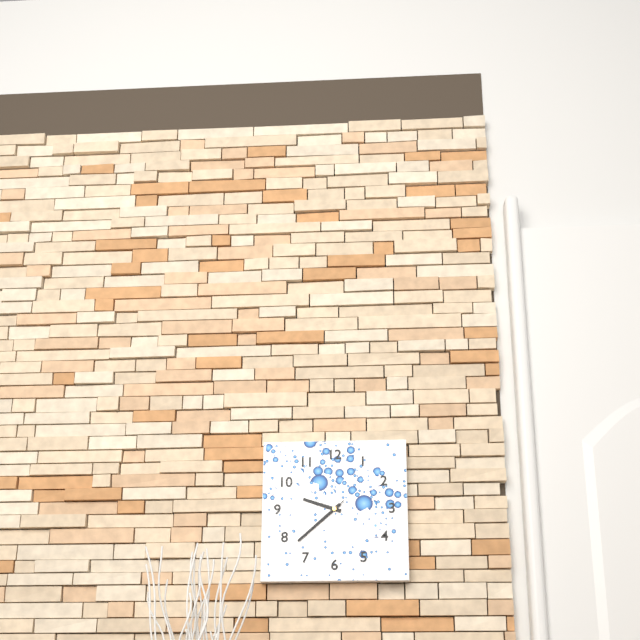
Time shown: 9:38:38
